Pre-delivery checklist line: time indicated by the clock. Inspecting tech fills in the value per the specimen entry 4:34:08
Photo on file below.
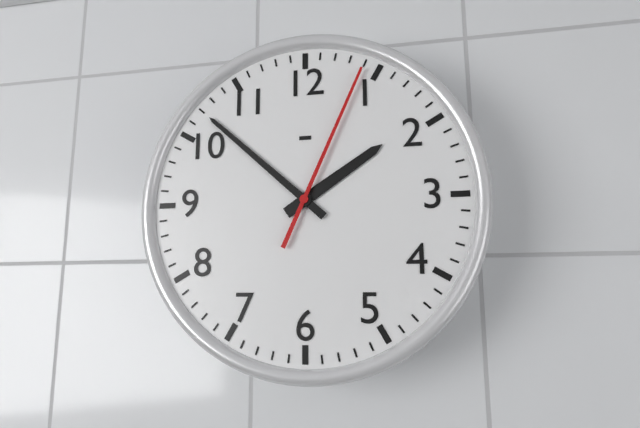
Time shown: 1:52:04
